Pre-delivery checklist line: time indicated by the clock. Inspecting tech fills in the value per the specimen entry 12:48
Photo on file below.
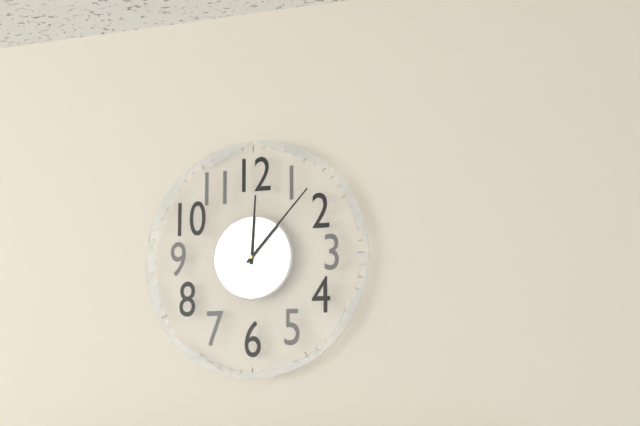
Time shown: 12:07
